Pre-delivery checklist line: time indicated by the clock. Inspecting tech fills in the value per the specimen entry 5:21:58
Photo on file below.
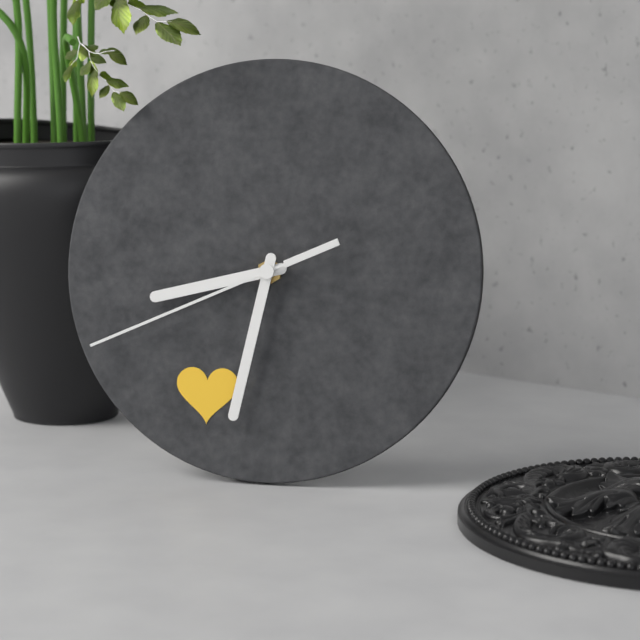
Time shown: 8:32:41
